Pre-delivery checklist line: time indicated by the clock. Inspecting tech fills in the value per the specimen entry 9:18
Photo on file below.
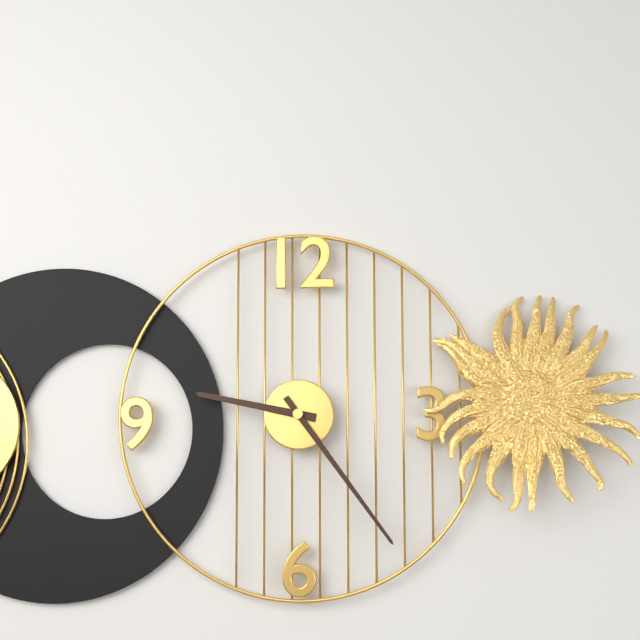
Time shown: 9:24
